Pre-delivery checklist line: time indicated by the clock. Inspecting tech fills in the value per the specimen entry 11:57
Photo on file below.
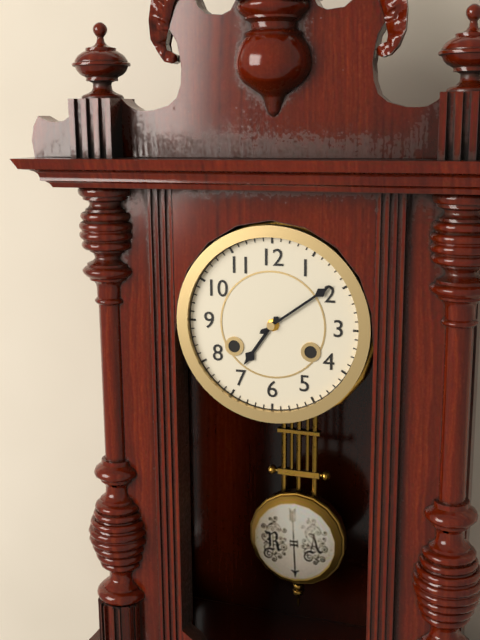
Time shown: 7:09
